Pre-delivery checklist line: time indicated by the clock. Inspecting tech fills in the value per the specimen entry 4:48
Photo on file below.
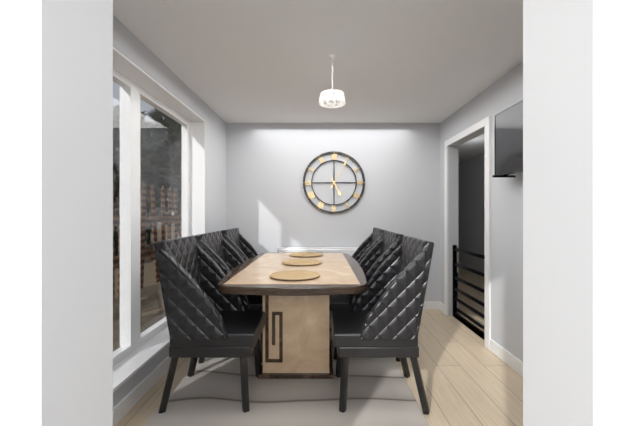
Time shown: 5:05
